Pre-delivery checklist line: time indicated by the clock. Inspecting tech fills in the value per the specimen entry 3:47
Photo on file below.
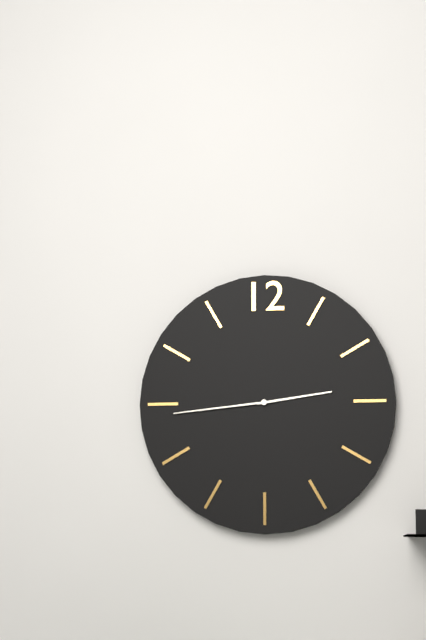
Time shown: 2:44
